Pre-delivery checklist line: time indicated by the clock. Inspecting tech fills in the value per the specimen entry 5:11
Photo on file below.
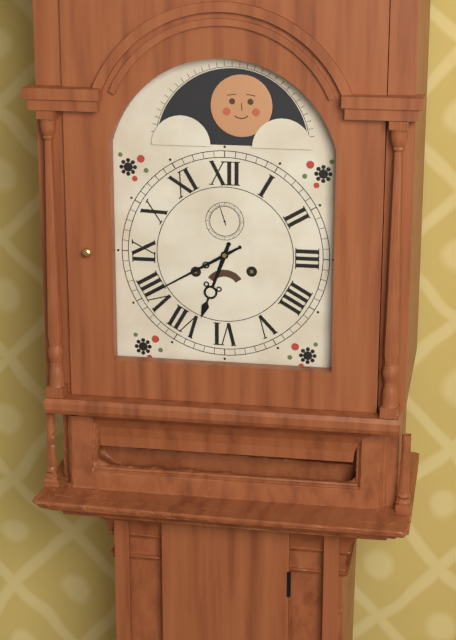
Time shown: 6:40
